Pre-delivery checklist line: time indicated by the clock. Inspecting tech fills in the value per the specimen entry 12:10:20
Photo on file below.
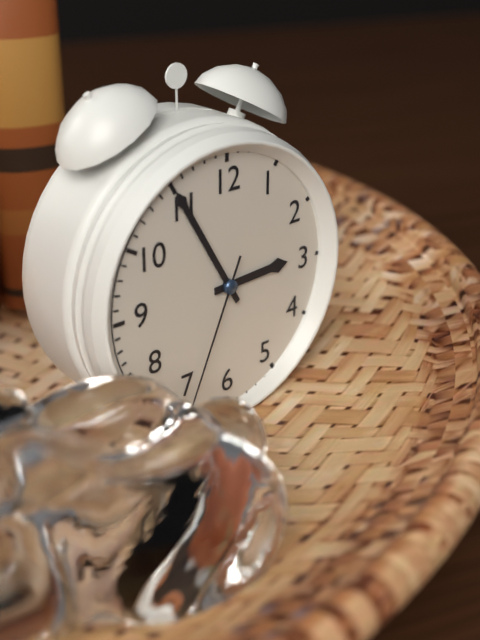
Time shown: 2:55:34
